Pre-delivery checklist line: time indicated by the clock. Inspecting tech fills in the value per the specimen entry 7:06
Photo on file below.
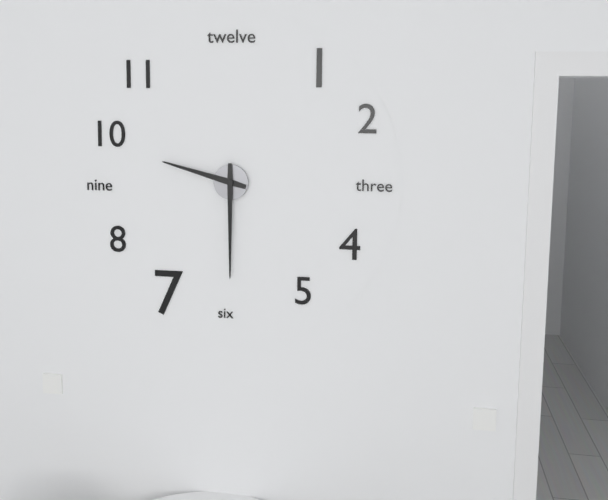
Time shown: 9:30
